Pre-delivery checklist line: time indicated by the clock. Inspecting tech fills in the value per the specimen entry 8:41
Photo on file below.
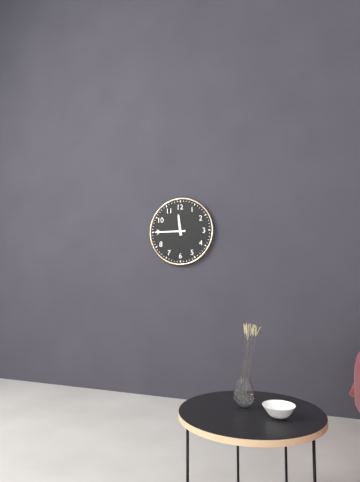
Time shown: 11:45
